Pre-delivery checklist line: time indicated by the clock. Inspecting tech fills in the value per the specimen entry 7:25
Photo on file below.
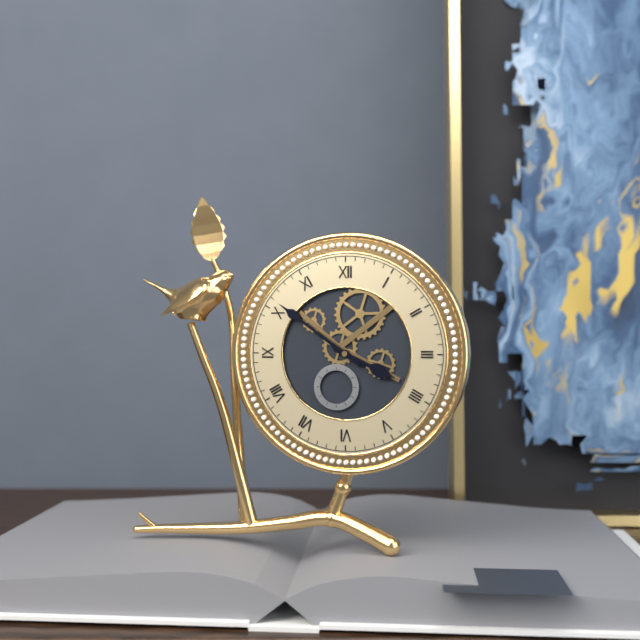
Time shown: 3:51
